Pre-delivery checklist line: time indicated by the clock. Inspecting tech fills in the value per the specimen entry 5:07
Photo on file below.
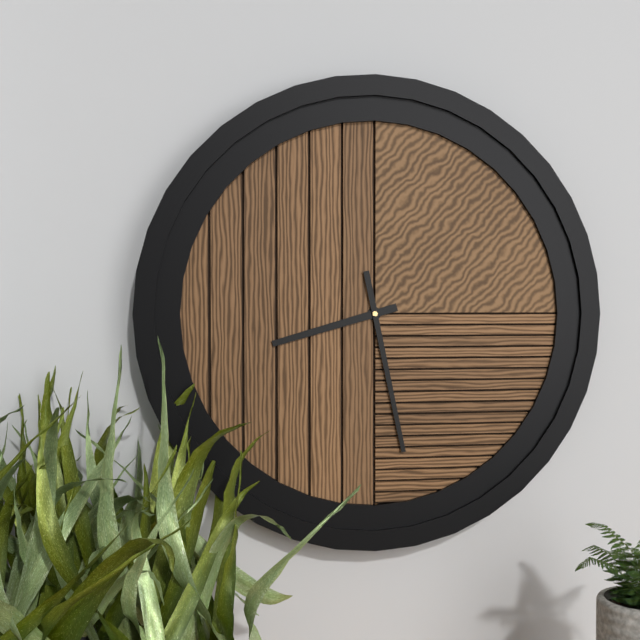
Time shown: 8:28
